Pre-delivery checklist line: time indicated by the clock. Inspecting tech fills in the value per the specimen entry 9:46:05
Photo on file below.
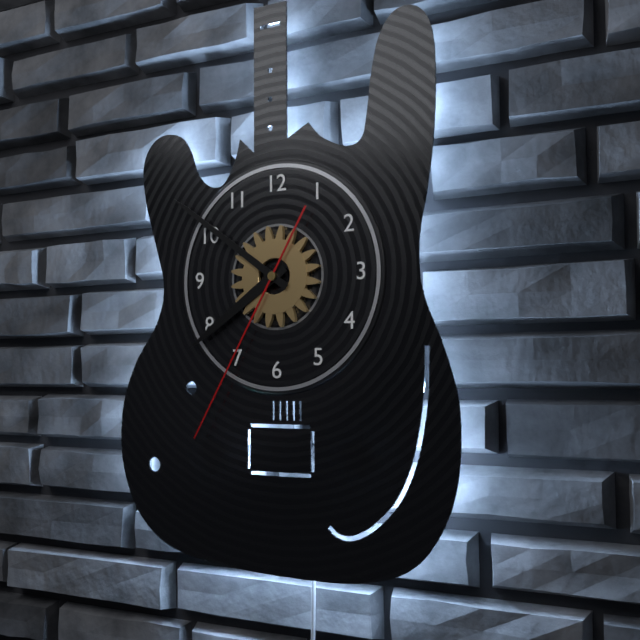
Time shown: 7:51:35
